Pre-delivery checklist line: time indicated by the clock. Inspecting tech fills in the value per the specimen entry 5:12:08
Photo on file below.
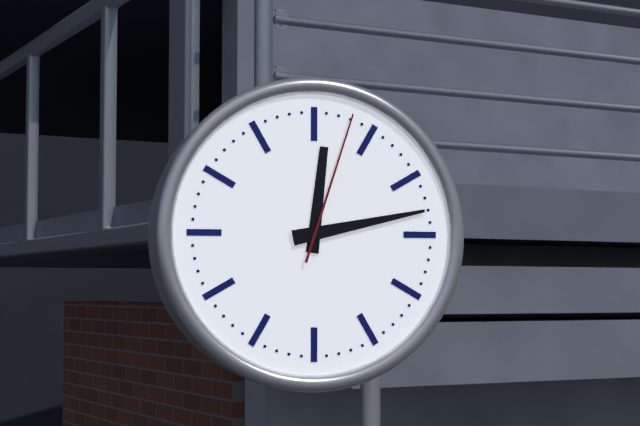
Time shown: 12:13:03
